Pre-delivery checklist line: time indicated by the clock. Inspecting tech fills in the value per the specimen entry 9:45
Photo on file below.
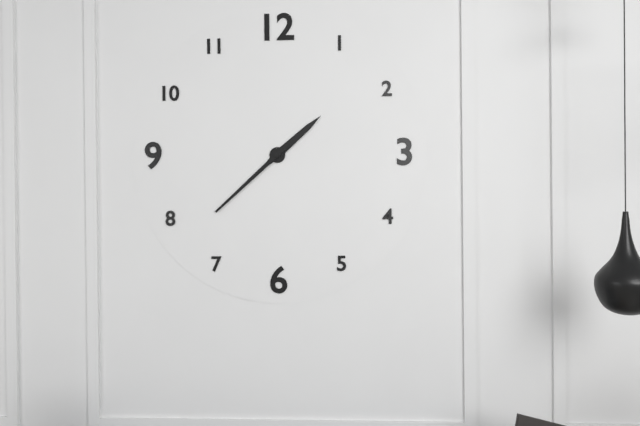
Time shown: 1:38
